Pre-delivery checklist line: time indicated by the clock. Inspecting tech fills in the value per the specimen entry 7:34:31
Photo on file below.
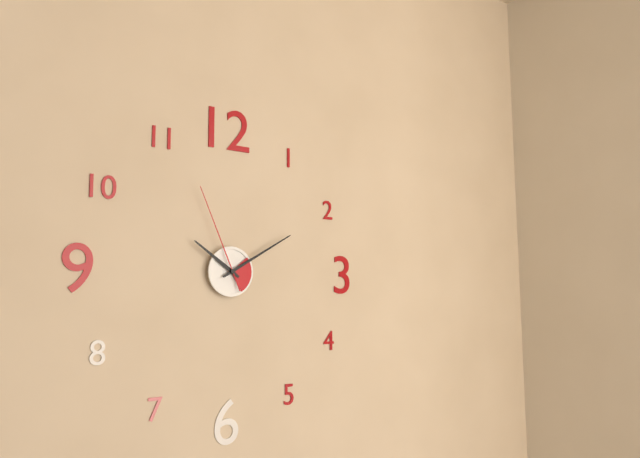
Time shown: 10:10:56
